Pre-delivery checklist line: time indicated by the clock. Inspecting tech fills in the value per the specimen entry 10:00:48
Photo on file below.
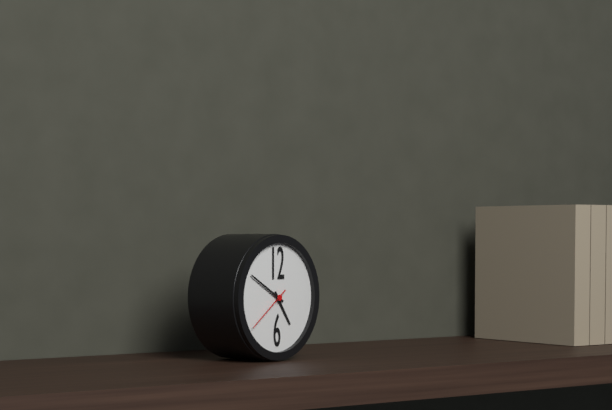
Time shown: 4:50:39
